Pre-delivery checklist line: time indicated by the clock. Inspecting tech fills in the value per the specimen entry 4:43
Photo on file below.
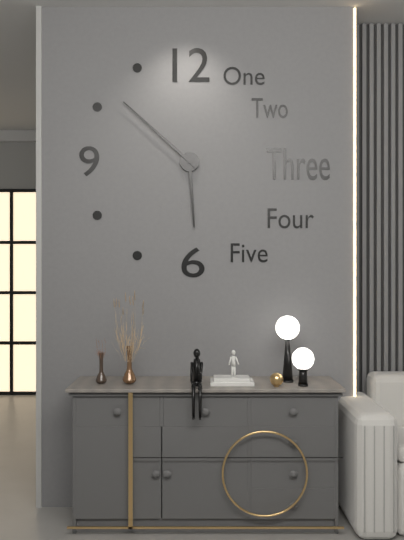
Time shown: 5:52
